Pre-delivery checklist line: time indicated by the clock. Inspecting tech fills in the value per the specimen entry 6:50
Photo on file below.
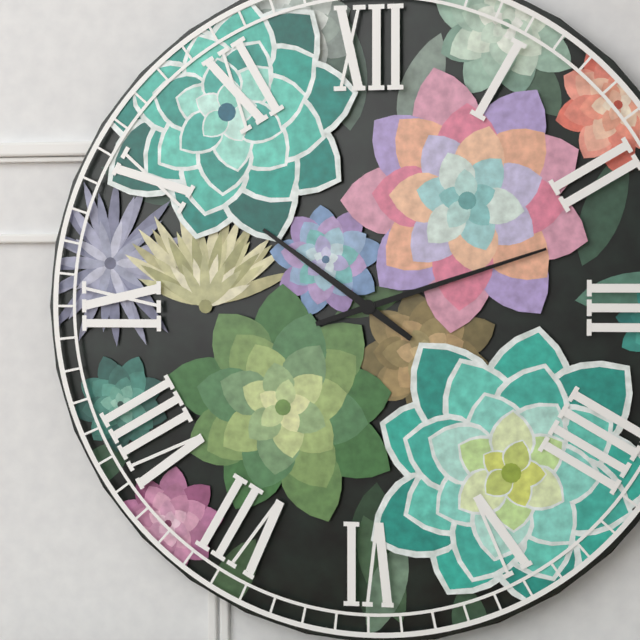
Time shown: 10:12
